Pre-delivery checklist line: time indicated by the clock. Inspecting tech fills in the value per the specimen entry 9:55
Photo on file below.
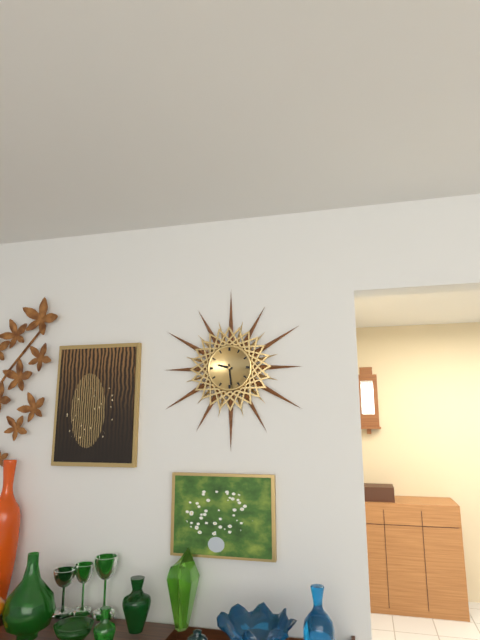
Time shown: 9:29
